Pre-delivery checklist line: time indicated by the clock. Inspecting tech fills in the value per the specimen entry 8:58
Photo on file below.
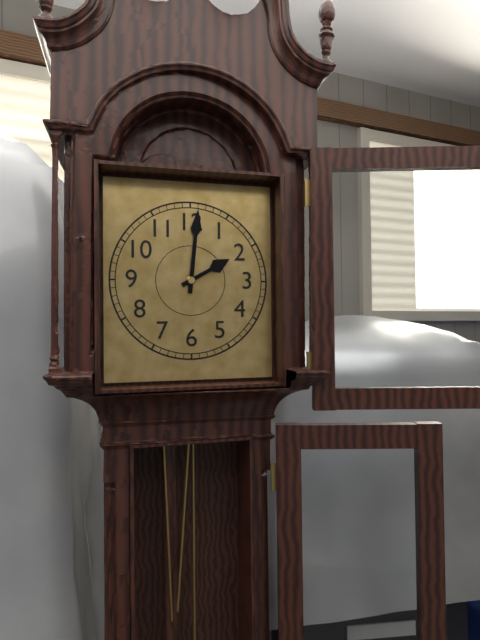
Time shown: 2:01
